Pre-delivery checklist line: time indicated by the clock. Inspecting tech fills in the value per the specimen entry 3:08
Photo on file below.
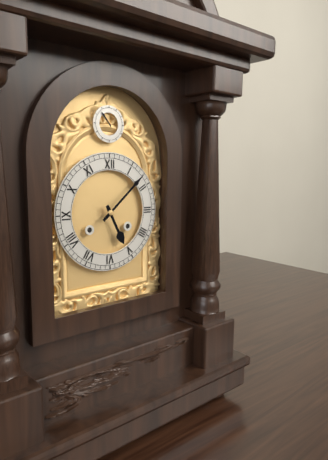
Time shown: 5:08
